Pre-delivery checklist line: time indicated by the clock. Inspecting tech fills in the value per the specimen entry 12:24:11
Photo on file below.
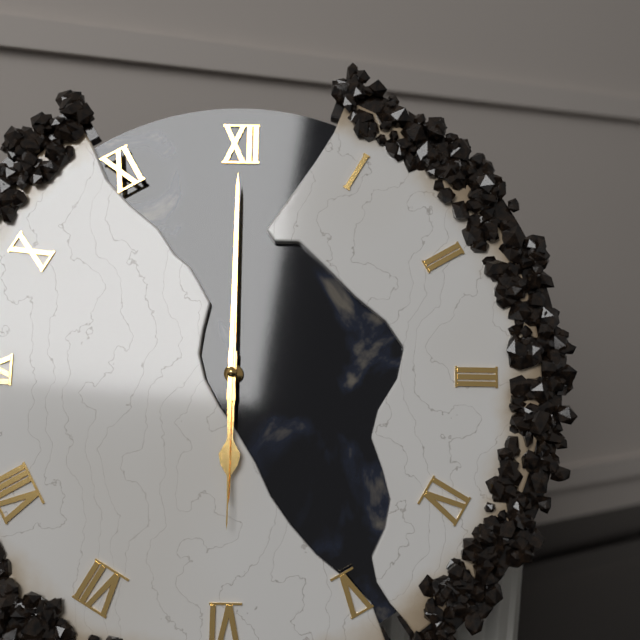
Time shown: 6:00:30
